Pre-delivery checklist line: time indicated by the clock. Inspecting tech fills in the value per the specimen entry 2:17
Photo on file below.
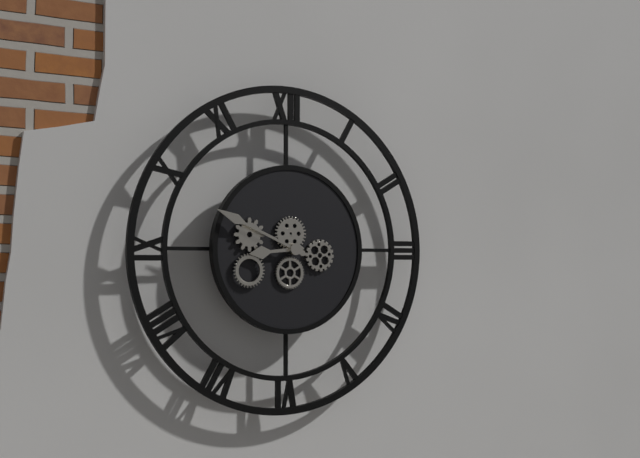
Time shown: 8:49
